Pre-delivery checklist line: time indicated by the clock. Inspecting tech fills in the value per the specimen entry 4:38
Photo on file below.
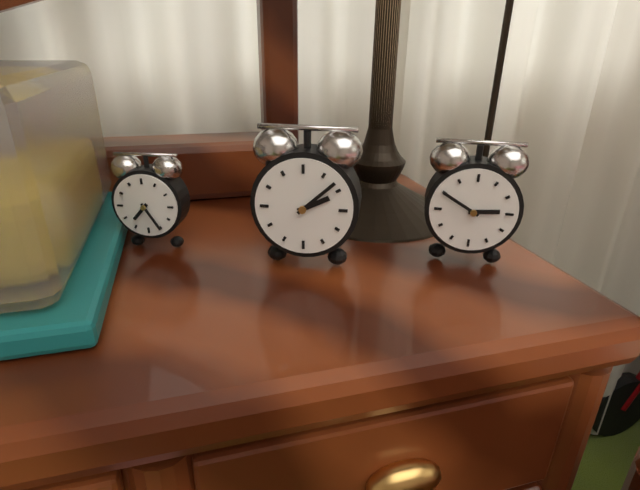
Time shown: 2:08
